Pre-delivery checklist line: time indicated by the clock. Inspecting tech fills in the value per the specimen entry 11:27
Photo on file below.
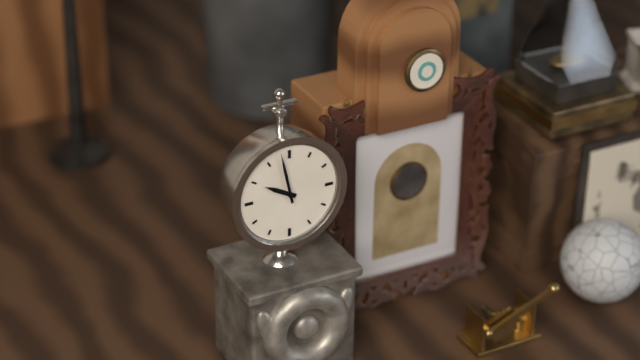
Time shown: 9:58
